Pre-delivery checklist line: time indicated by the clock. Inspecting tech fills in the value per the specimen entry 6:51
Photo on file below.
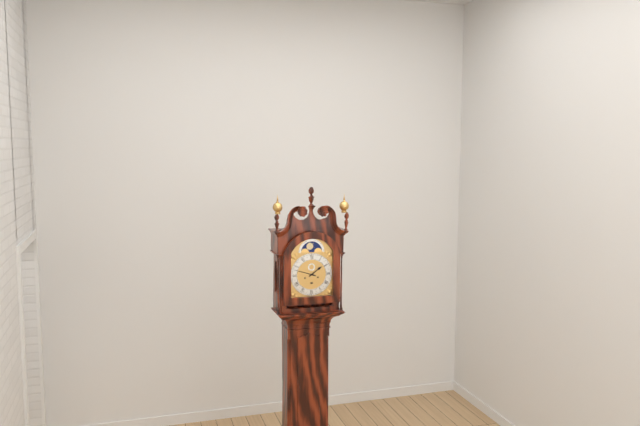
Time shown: 1:48
